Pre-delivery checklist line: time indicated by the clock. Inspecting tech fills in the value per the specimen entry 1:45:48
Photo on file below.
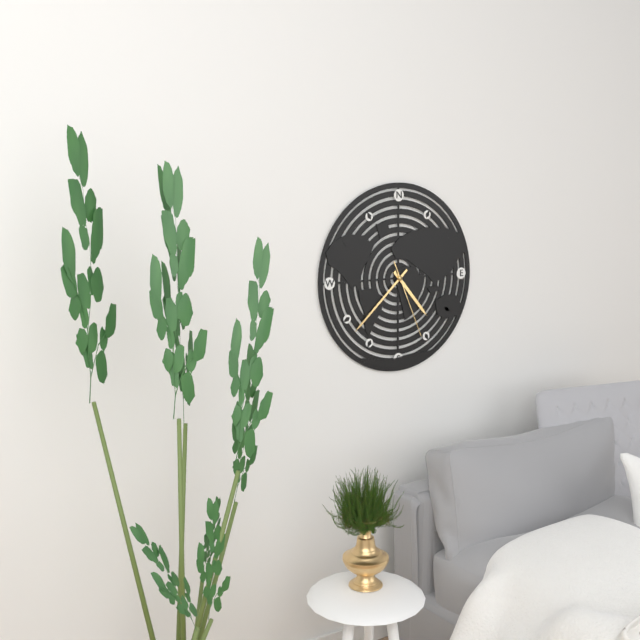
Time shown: 4:38:26
